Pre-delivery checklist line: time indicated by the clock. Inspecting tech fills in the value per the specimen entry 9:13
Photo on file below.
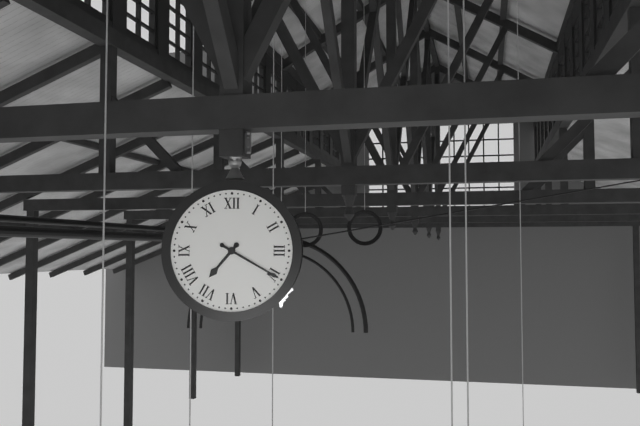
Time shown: 7:20
